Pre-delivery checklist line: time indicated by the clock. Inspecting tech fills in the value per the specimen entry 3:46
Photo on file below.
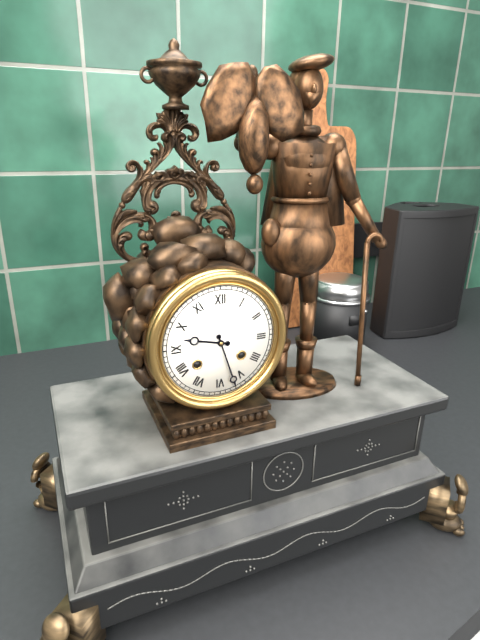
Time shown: 9:27
